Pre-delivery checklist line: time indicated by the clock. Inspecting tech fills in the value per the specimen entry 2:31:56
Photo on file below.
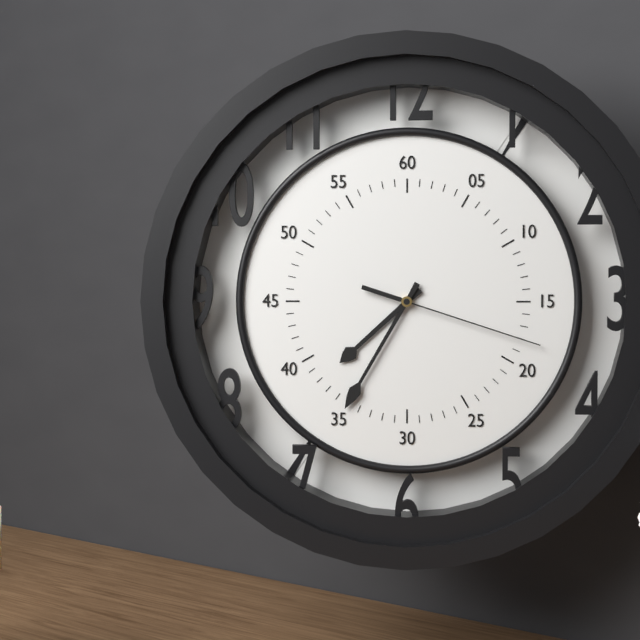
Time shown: 7:35:18
